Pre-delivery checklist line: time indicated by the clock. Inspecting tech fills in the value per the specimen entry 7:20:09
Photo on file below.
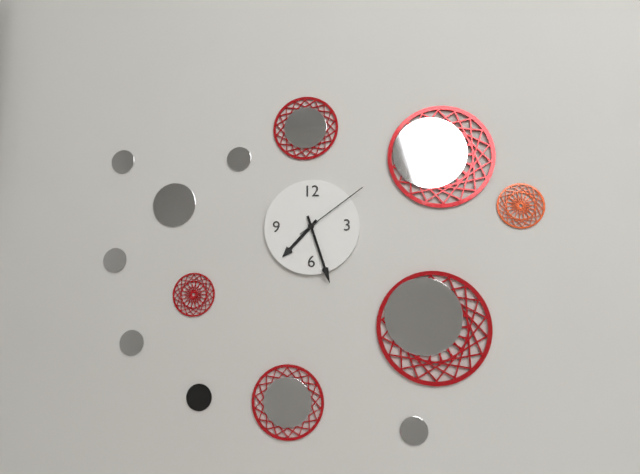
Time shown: 7:27:09
